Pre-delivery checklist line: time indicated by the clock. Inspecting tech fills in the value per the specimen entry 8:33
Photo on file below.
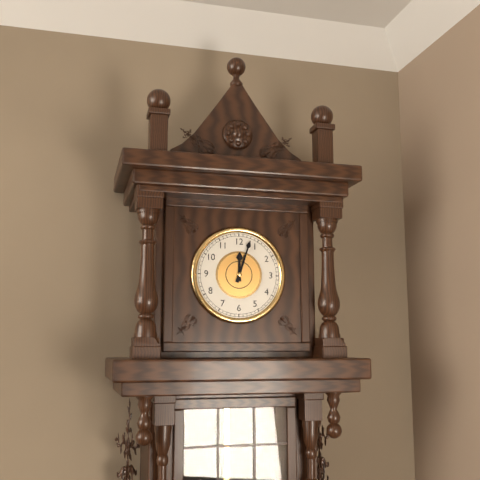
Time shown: 12:03
